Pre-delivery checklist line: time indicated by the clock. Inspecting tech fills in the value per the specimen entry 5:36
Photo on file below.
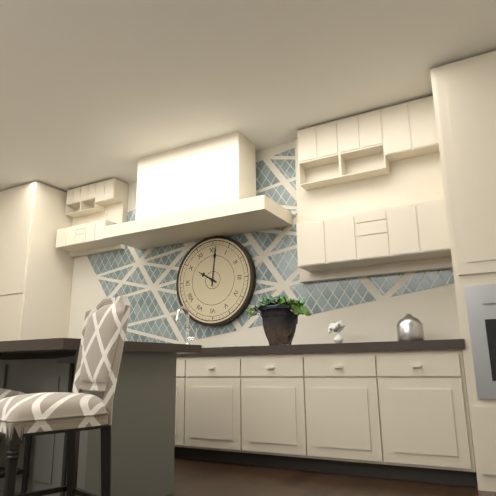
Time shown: 10:01
